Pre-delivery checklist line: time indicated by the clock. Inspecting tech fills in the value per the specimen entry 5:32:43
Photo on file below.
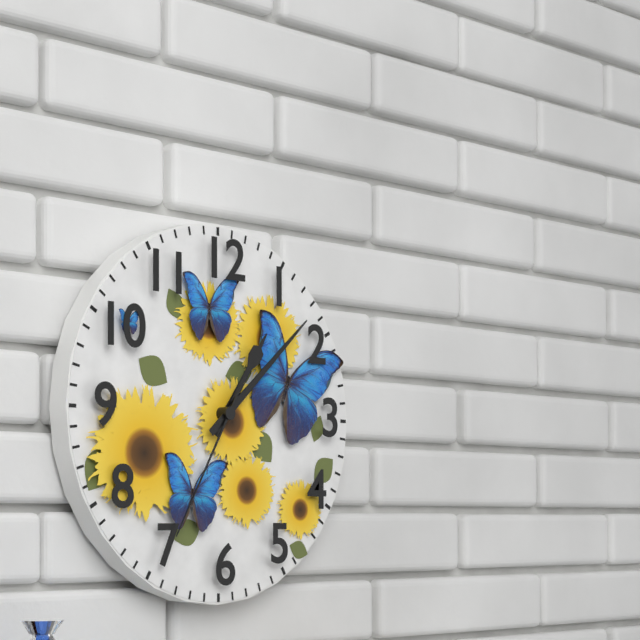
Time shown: 1:08:35
